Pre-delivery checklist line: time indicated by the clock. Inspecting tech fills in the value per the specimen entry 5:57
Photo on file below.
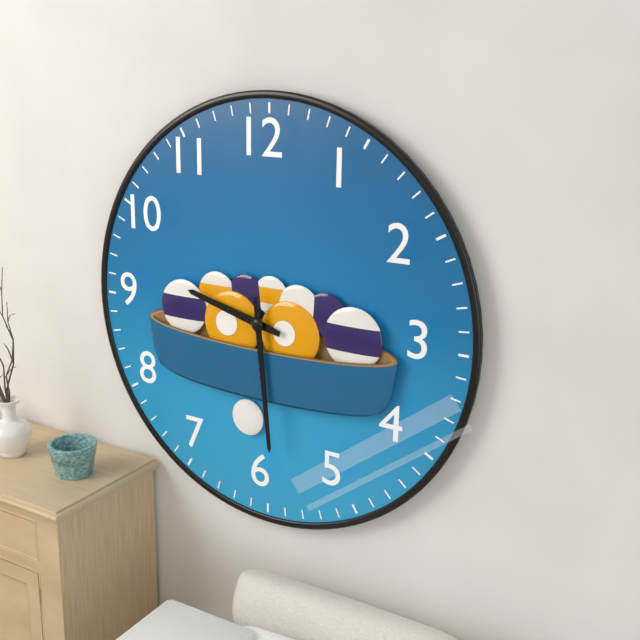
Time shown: 9:29
